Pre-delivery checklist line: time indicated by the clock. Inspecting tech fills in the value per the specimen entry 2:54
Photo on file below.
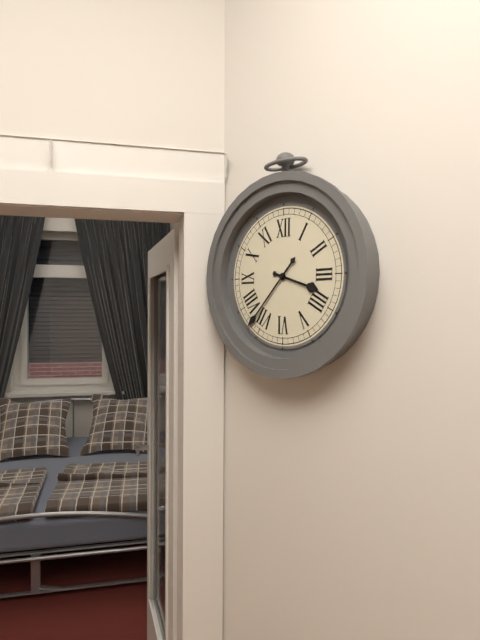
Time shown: 3:37
